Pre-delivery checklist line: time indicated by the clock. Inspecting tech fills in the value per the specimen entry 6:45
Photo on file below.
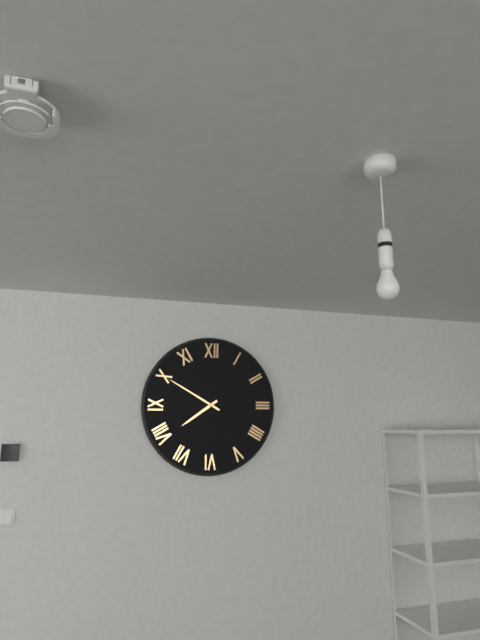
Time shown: 7:50
